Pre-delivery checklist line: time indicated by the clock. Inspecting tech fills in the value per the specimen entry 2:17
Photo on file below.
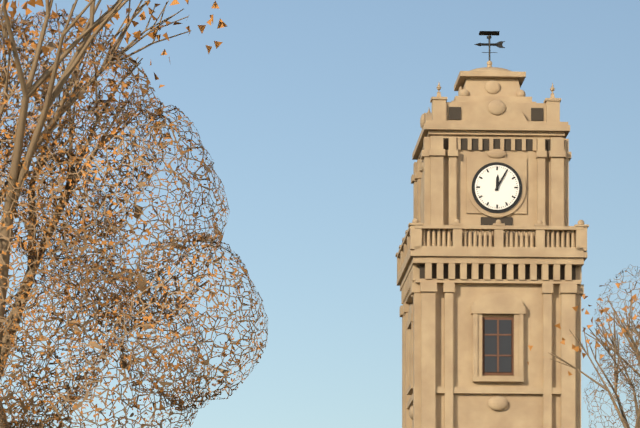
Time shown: 12:05
